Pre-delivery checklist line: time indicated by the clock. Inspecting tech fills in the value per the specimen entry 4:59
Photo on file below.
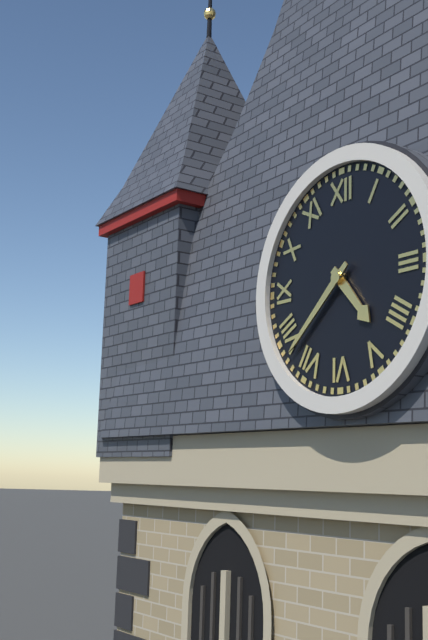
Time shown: 4:38
